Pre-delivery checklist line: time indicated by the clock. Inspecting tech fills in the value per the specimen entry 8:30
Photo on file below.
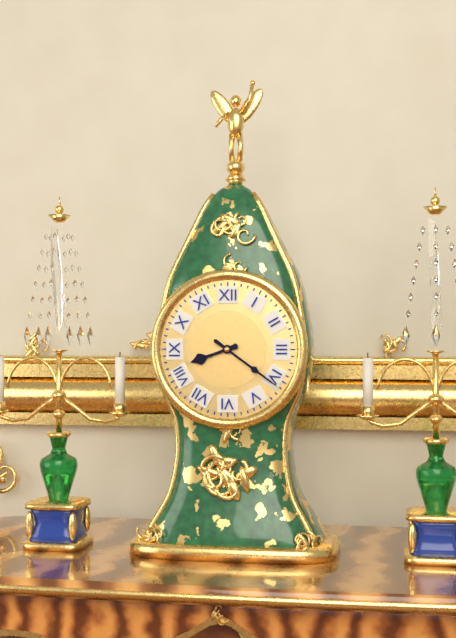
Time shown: 8:21
